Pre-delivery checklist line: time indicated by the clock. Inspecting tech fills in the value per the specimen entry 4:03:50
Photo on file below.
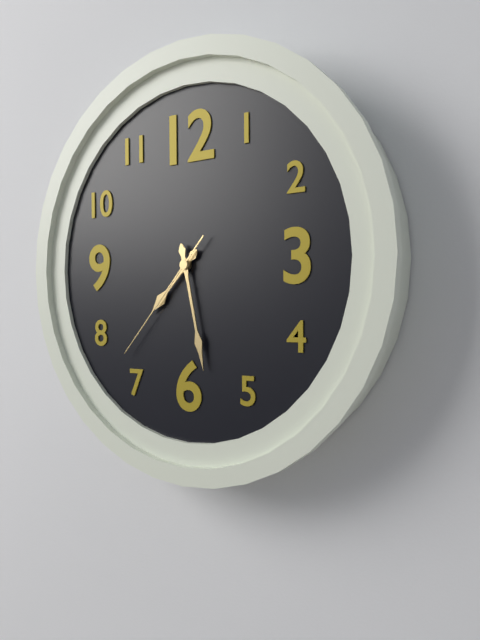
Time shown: 7:28:37
